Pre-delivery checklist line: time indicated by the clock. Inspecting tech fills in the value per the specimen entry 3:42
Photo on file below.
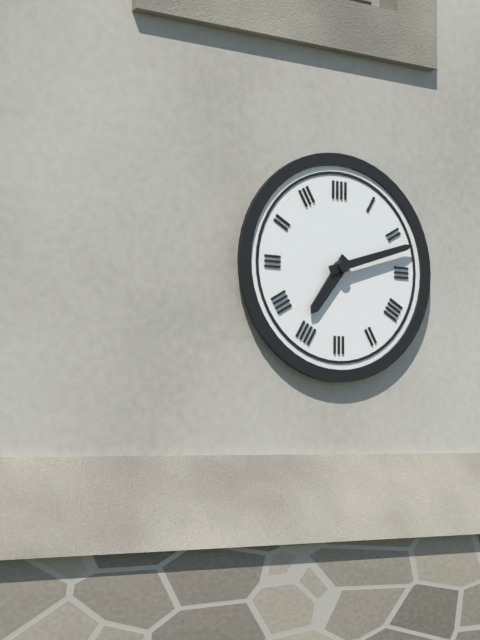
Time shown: 7:12
